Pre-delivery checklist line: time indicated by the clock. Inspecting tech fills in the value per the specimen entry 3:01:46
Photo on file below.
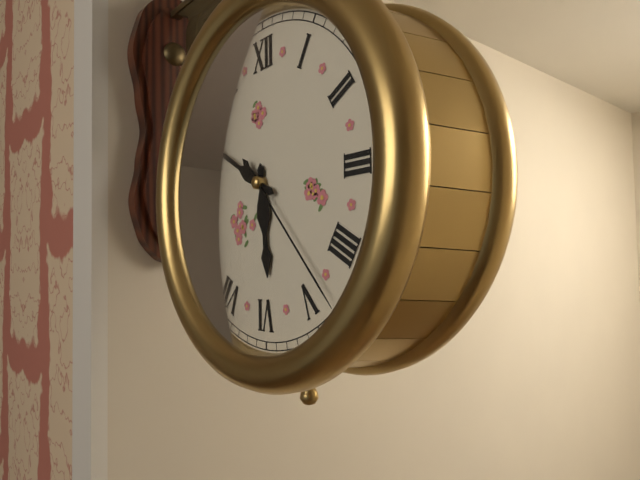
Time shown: 5:50:23
